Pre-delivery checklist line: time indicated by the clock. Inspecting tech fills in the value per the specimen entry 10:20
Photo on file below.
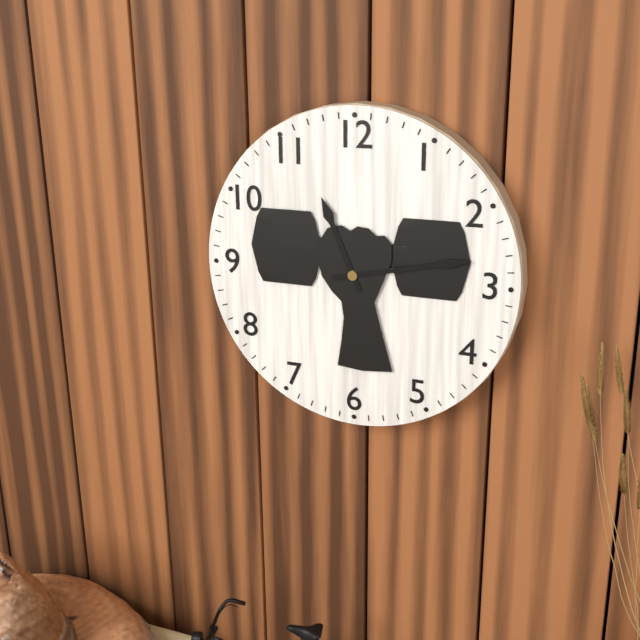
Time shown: 11:13
